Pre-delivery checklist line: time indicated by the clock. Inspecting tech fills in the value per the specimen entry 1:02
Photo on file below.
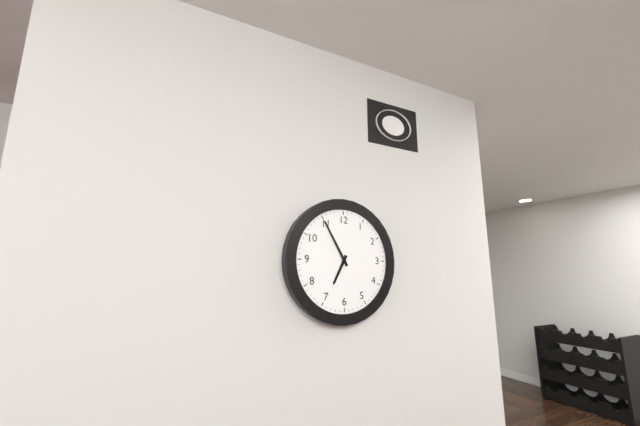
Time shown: 6:55
